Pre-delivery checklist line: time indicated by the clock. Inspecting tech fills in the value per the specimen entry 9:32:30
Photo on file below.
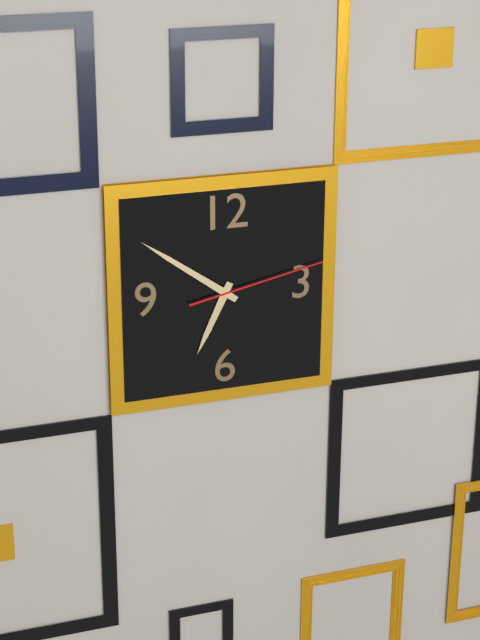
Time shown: 6:51:13
